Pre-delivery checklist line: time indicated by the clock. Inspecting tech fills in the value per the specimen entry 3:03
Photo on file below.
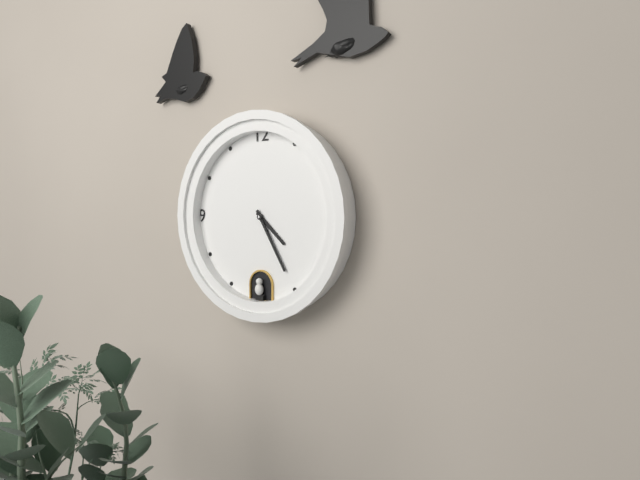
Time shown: 4:25
